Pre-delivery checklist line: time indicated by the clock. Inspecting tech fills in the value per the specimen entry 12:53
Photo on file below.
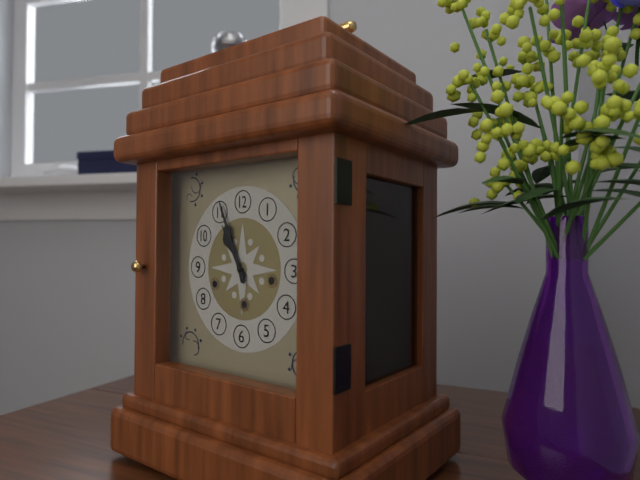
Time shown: 10:56
